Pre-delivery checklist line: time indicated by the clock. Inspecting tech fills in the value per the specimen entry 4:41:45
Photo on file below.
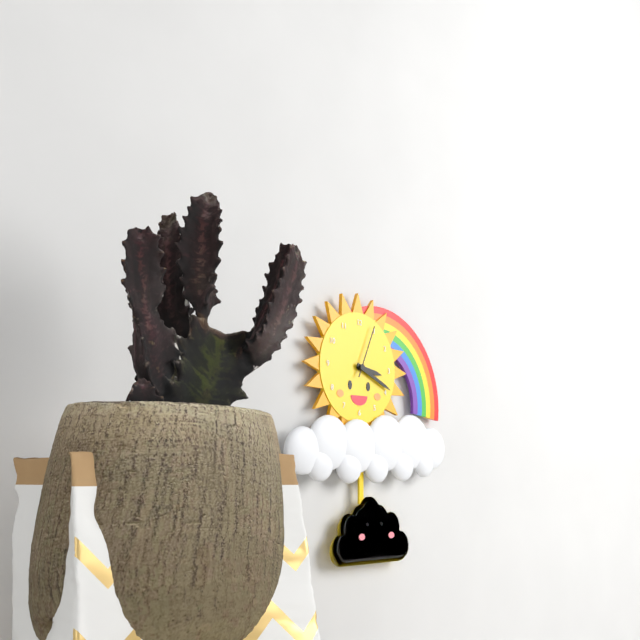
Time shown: 3:19:04
